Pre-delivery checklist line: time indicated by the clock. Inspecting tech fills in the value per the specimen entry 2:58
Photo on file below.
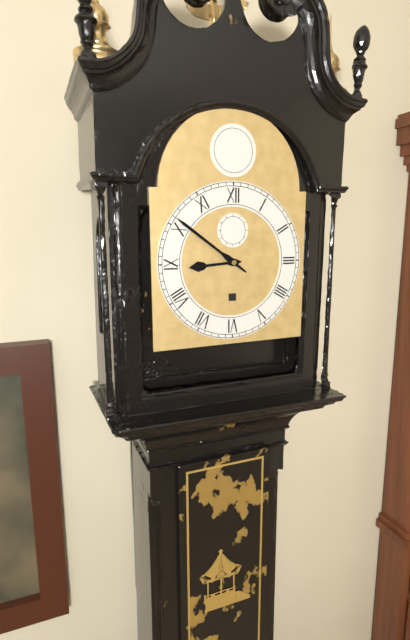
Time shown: 8:51
